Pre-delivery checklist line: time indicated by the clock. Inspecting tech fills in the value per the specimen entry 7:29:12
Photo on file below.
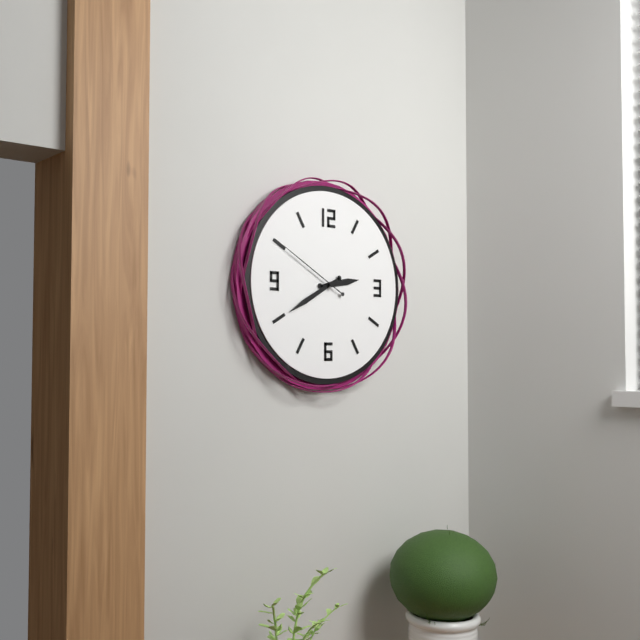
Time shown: 2:40:50
